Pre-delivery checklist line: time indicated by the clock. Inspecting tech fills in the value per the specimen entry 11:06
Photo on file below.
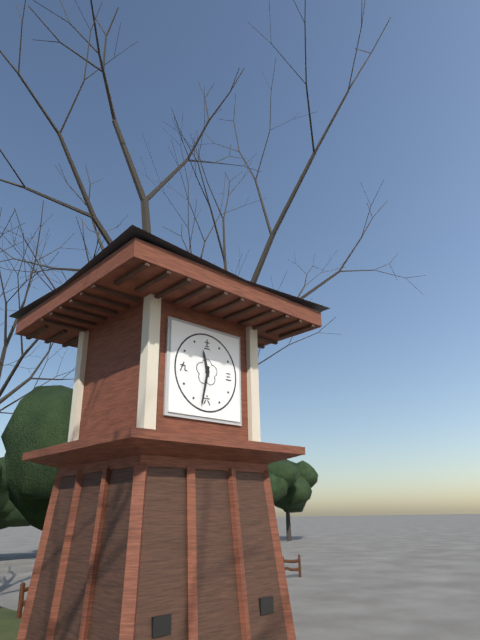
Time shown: 11:32
